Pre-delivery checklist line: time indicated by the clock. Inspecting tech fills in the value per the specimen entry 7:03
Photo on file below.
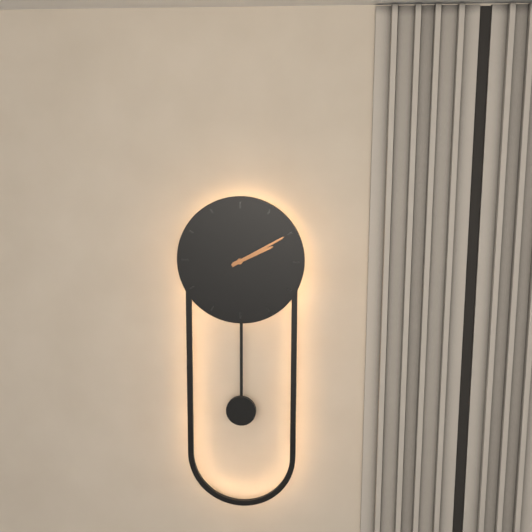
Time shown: 2:10
